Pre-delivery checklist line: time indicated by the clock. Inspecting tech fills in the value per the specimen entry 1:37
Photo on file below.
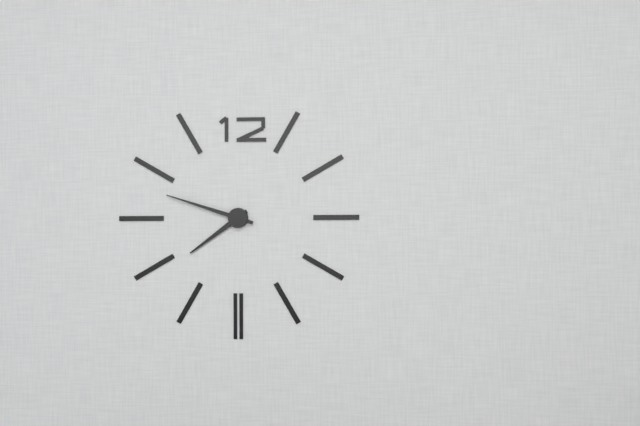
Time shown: 7:48
